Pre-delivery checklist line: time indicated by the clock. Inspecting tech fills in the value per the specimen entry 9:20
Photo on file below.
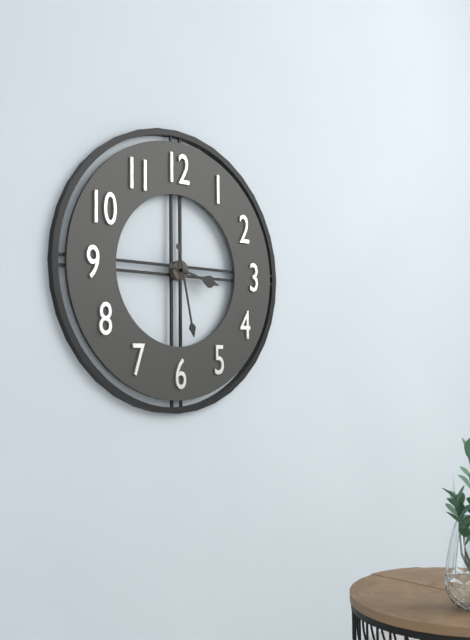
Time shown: 3:28
